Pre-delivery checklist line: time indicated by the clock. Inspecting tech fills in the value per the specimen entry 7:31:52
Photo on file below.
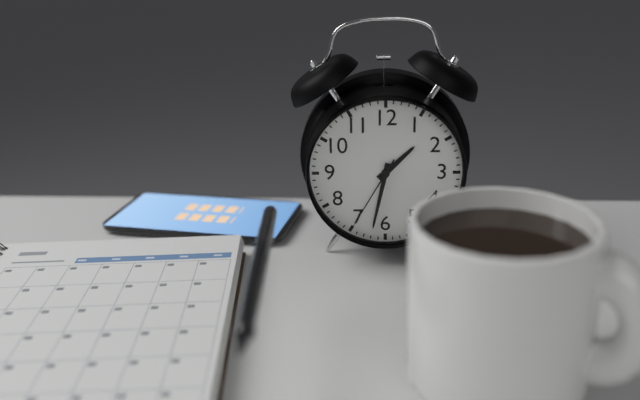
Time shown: 1:32:35
